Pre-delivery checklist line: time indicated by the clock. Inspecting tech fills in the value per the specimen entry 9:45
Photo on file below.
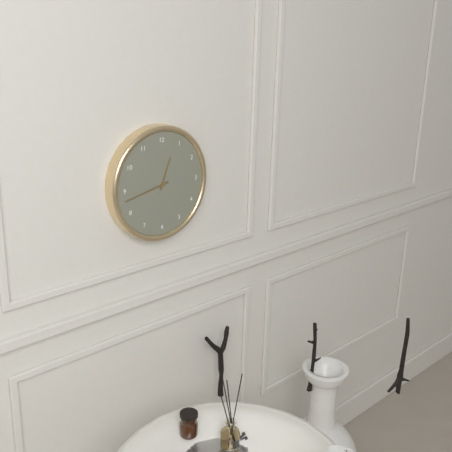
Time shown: 12:43
